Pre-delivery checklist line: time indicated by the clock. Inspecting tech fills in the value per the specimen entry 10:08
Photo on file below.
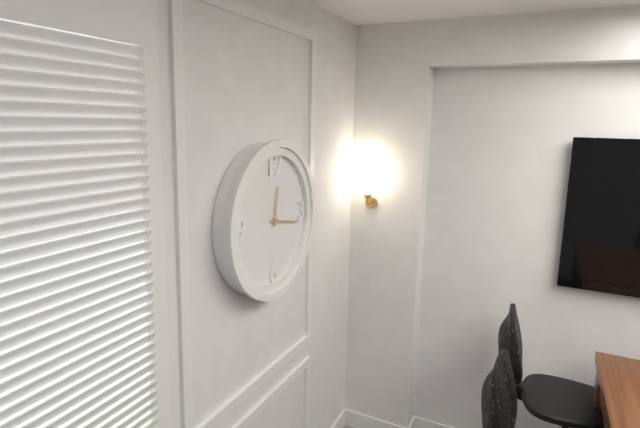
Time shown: 12:17
